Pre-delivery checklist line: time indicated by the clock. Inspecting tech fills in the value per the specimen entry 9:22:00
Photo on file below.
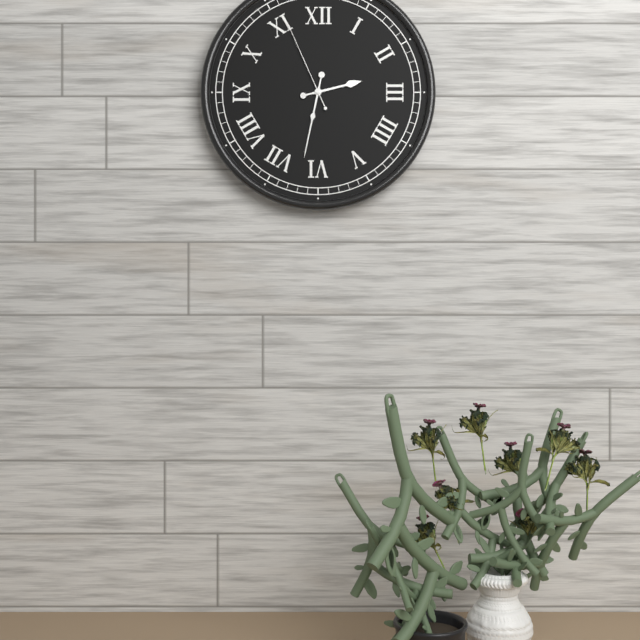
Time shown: 2:32:56
